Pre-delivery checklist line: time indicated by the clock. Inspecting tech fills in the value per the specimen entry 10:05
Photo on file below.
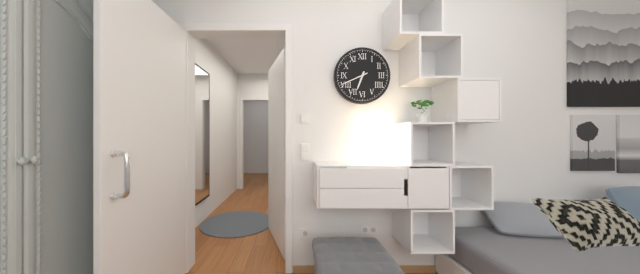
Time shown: 6:41
